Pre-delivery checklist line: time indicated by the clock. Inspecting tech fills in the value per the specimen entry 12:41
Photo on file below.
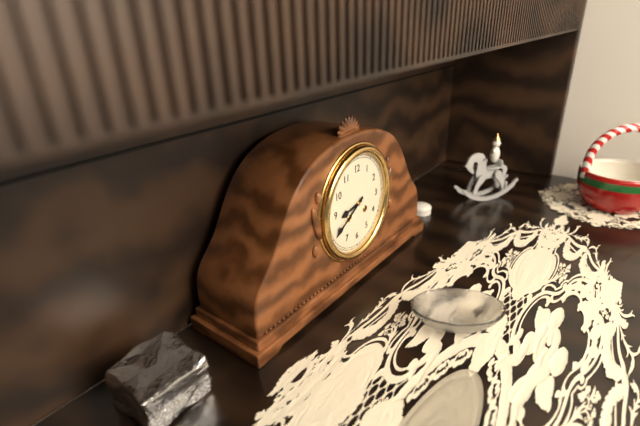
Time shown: 8:40
